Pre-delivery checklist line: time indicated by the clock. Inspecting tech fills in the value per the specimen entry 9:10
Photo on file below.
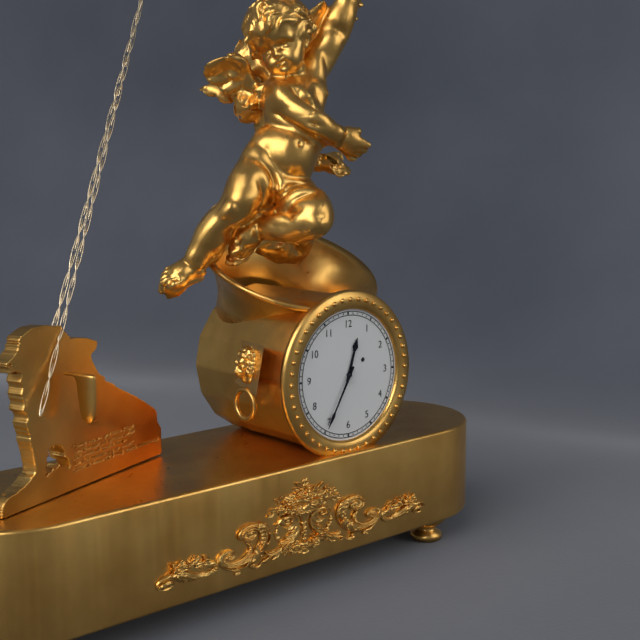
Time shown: 12:35
